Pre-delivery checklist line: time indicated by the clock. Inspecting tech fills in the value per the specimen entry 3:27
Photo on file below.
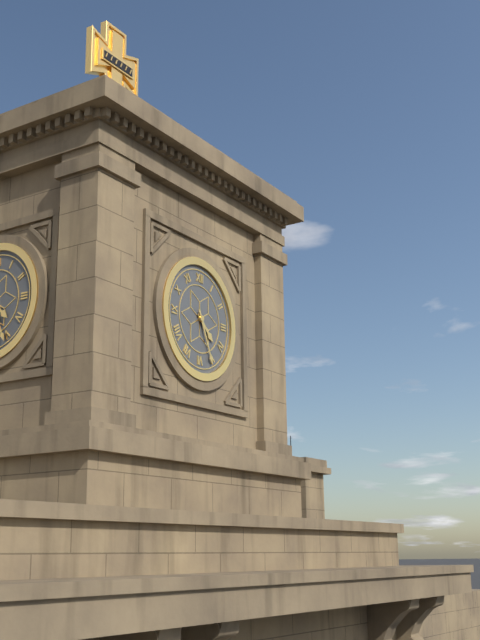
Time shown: 4:26
